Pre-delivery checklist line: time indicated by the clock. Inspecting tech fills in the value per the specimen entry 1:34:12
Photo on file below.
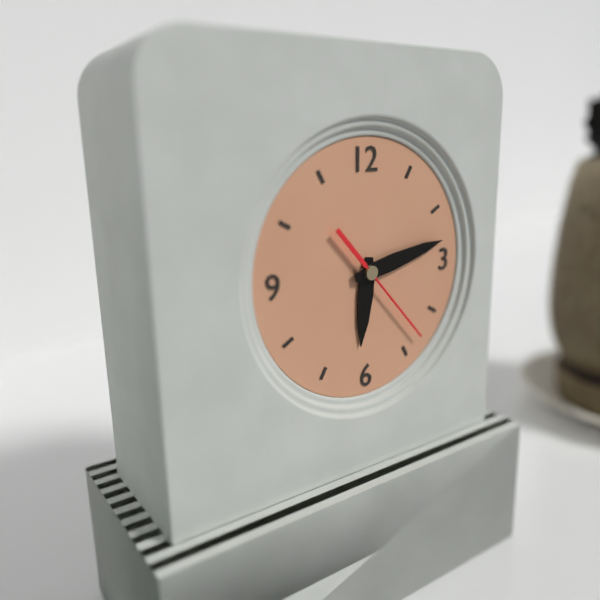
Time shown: 6:13:23
